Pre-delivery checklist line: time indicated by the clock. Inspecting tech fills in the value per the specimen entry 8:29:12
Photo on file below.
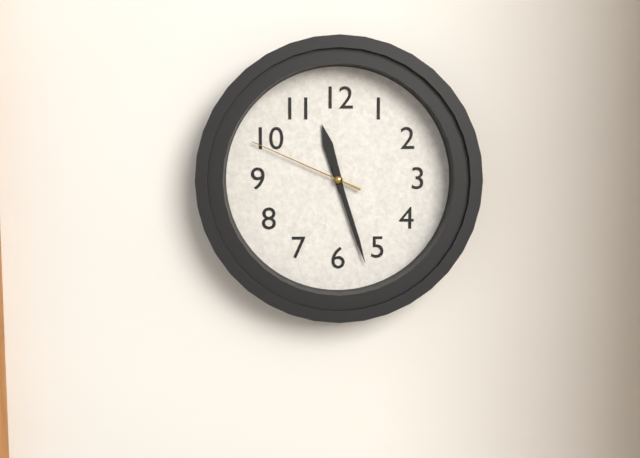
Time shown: 11:27:49
